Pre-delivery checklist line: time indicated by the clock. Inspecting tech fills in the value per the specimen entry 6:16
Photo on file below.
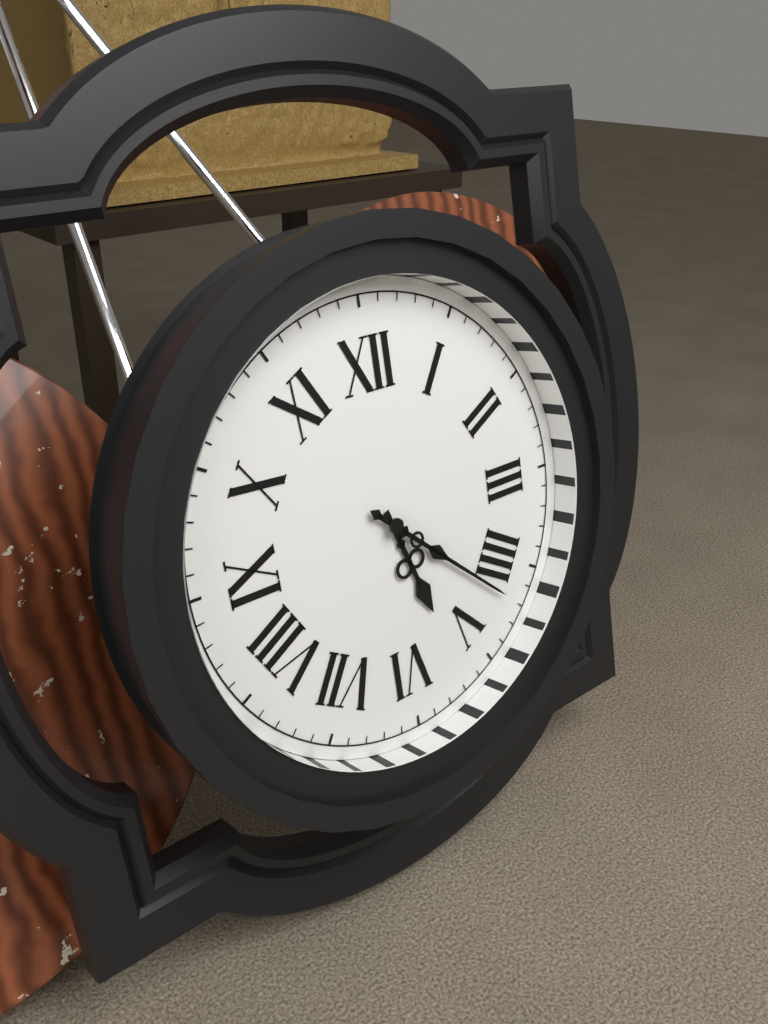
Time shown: 5:22
